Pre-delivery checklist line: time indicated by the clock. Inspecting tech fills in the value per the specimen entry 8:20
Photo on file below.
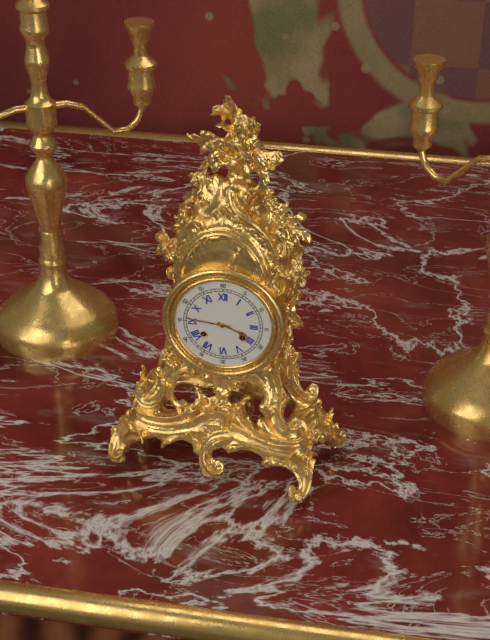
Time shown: 3:46
